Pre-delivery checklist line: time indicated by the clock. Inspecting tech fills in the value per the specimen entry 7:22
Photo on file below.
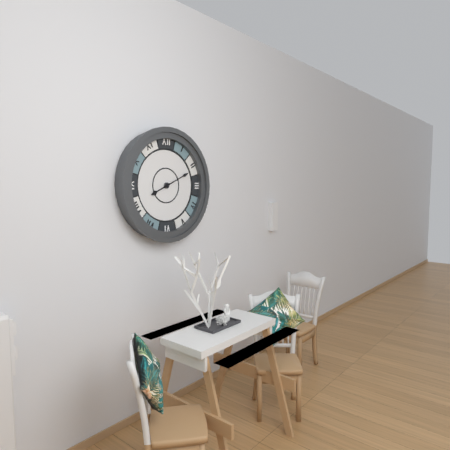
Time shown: 8:11
